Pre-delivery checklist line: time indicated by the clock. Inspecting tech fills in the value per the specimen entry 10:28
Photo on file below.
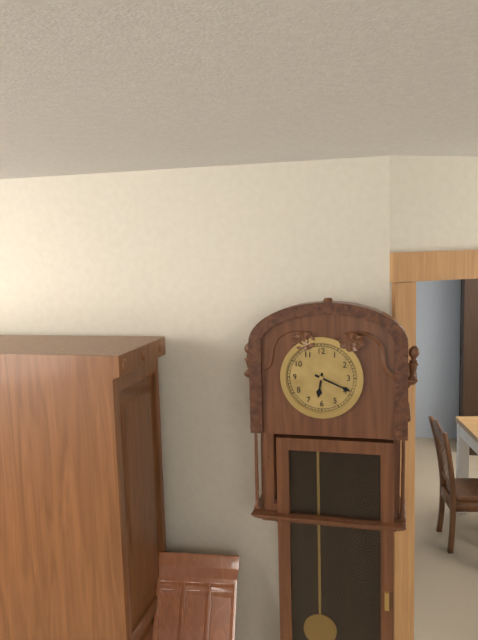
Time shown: 6:19
